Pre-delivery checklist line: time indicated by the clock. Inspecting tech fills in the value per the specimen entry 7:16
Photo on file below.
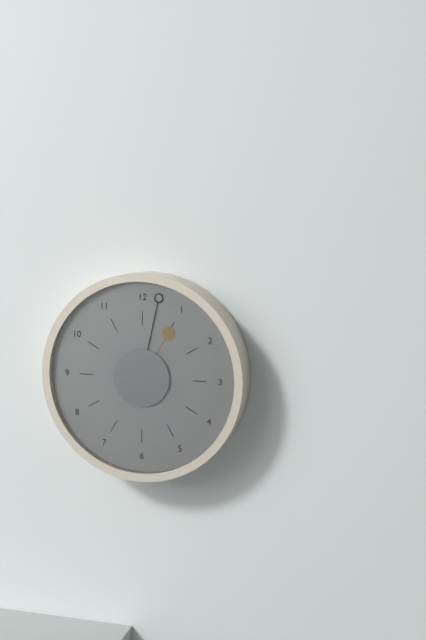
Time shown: 1:02
